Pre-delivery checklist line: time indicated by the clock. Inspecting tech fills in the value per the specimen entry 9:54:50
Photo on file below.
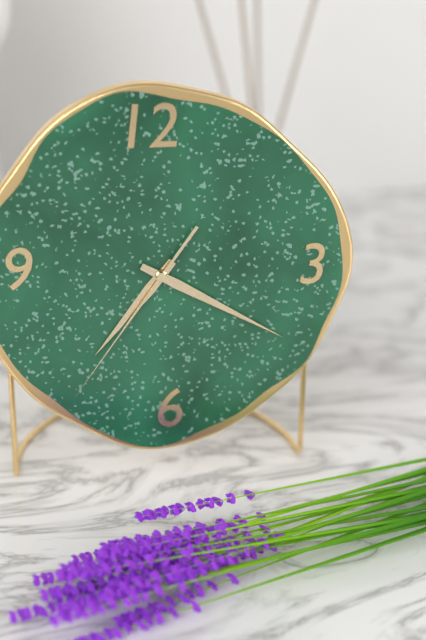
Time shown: 7:20:36
